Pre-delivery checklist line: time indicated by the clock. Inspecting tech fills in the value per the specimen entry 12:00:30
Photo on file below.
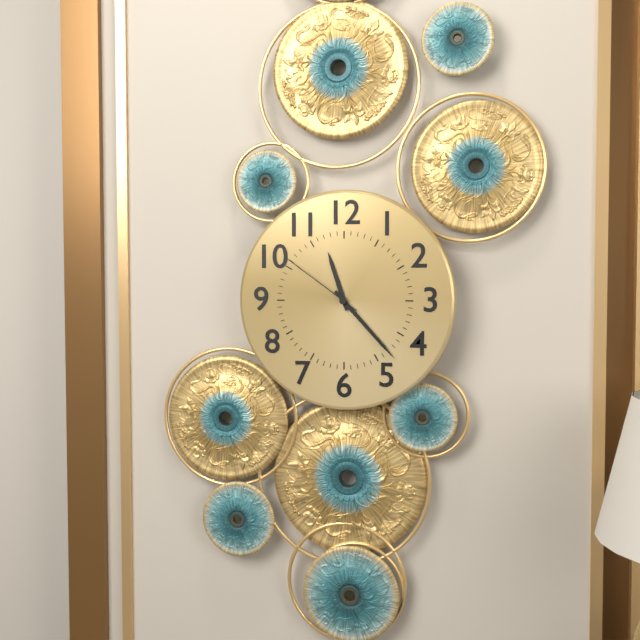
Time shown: 11:23:51
